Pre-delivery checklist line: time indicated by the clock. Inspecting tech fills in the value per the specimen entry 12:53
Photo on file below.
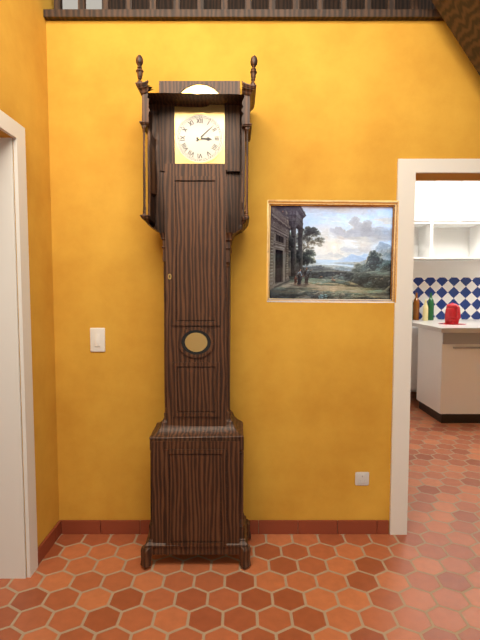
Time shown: 3:08
